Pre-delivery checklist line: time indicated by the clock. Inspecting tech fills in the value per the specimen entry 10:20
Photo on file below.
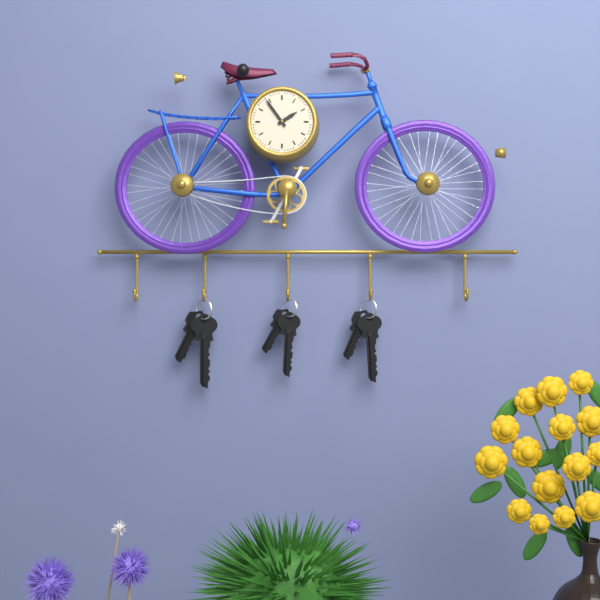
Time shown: 1:54
